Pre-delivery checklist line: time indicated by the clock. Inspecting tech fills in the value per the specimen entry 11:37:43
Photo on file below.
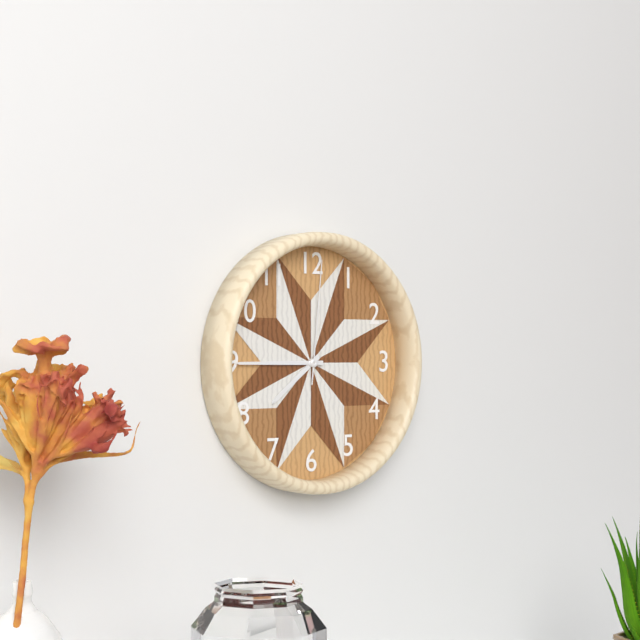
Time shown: 7:45:01
